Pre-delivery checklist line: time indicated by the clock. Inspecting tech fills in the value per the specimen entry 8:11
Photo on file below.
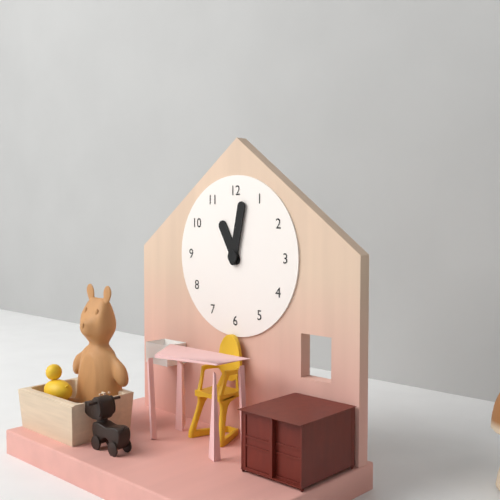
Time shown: 11:02
